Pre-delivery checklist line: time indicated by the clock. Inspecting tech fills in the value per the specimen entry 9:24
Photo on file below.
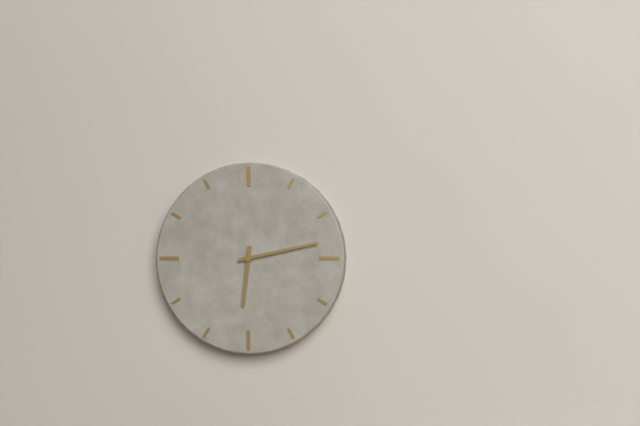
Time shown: 6:13
